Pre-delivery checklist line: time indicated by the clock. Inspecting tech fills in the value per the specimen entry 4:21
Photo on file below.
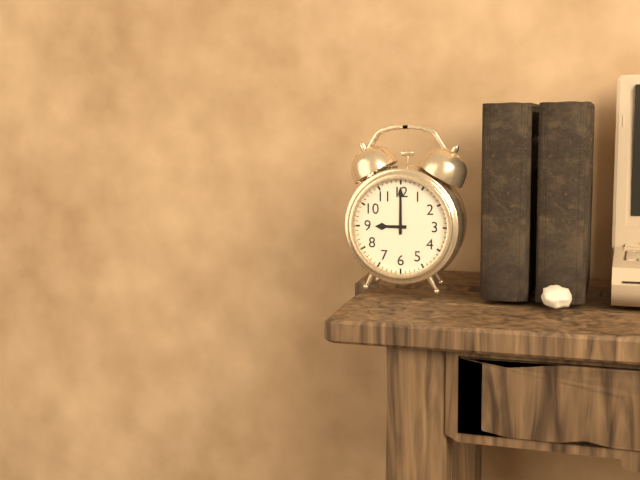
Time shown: 9:00
